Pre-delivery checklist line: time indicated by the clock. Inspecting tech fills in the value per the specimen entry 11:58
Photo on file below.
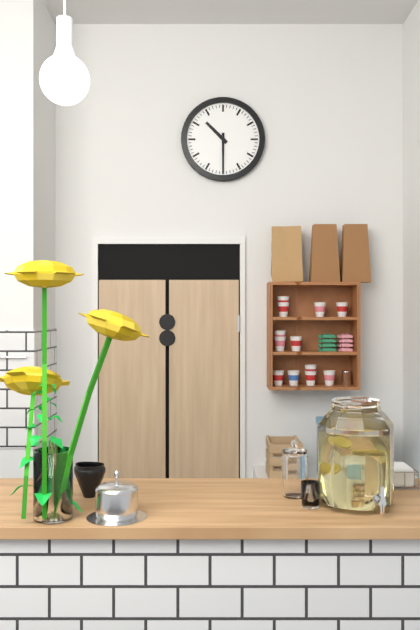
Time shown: 10:30
